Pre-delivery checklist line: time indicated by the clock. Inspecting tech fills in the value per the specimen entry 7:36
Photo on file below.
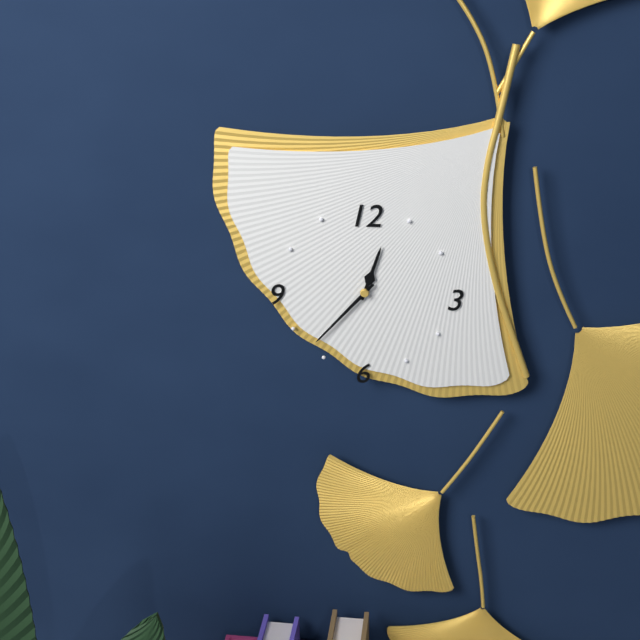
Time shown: 12:37
